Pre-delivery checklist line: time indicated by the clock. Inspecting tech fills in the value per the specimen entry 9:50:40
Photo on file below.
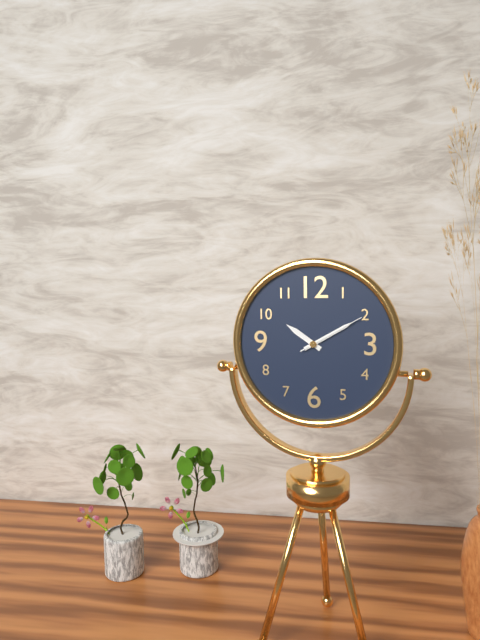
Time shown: 10:10:10
